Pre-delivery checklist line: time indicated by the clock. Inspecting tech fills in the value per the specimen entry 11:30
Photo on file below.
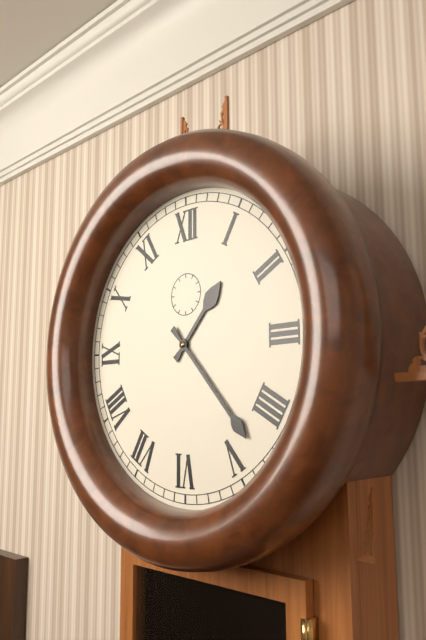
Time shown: 1:23
